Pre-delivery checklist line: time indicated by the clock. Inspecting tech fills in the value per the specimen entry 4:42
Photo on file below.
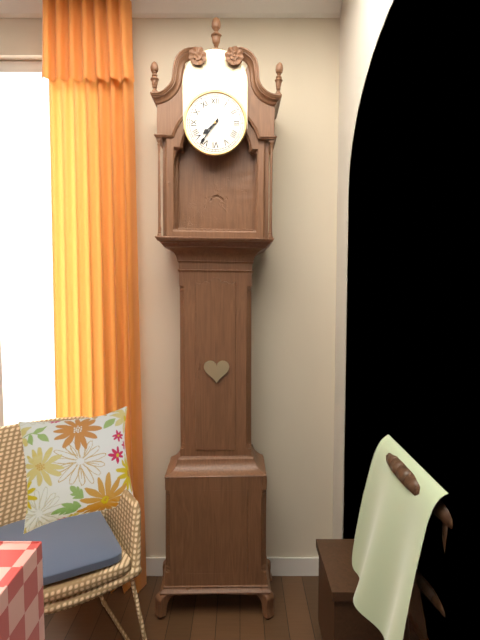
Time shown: 7:36
